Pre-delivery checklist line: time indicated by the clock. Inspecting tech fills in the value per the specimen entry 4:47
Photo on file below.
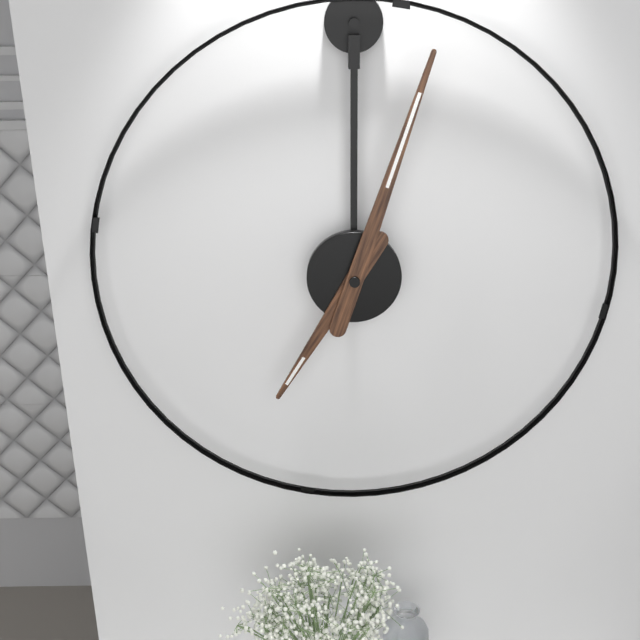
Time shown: 7:03
